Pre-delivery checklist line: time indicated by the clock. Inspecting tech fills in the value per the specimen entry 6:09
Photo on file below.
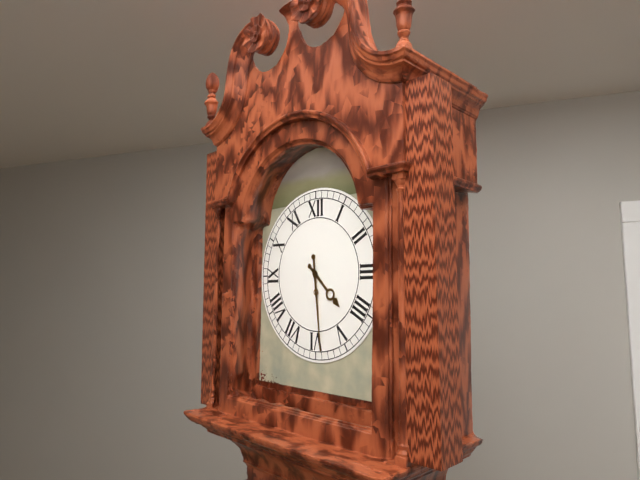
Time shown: 4:29
